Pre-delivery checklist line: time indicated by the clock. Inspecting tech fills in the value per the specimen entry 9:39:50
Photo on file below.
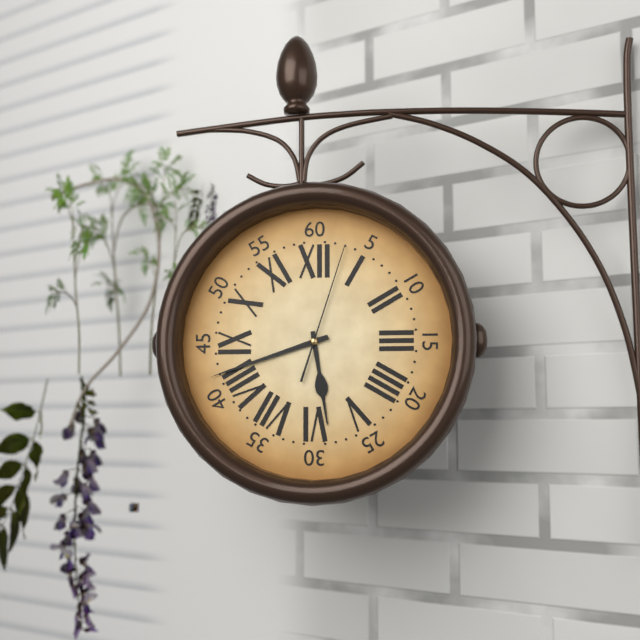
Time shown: 5:42:03
